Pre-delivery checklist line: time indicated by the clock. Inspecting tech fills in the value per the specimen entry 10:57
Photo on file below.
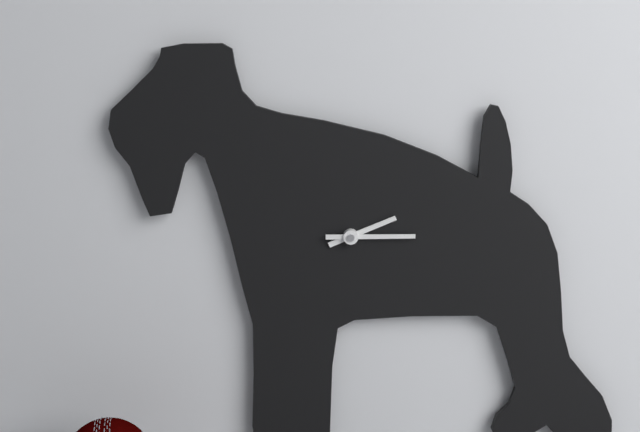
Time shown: 2:15
